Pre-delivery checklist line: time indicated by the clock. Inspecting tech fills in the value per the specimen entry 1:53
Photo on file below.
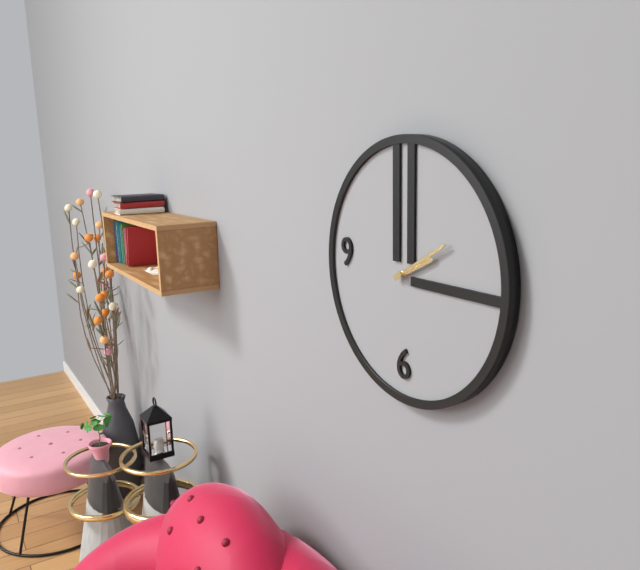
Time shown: 2:10
